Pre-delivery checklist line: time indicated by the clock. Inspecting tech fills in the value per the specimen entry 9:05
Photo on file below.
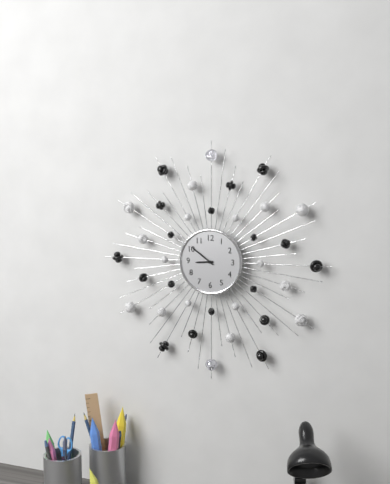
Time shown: 8:51
